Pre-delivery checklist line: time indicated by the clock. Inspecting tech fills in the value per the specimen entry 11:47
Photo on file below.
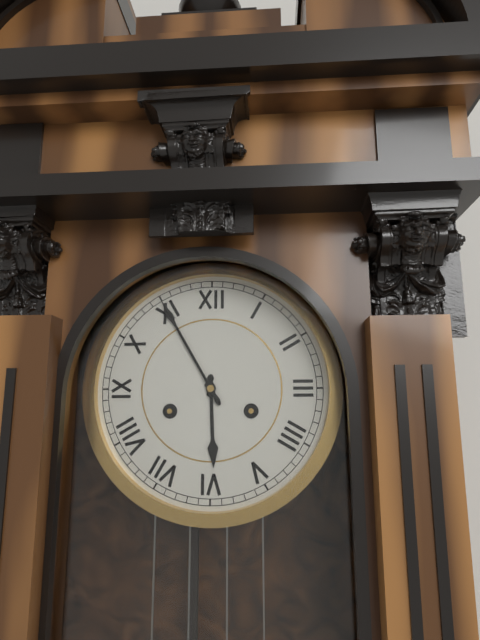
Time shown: 5:55
